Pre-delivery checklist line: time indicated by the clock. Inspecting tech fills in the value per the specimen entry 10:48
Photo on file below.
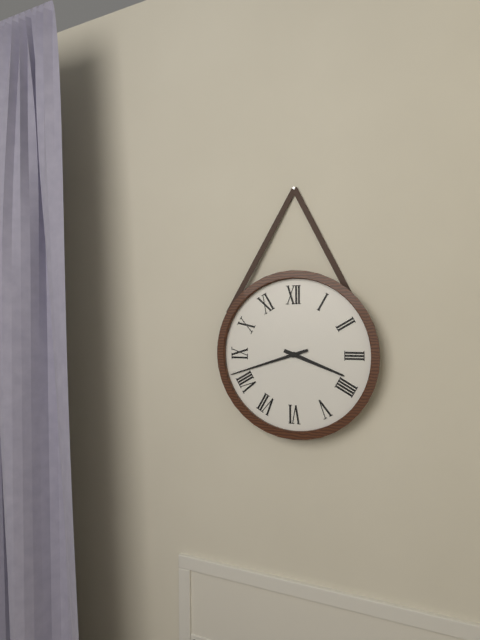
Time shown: 3:42
